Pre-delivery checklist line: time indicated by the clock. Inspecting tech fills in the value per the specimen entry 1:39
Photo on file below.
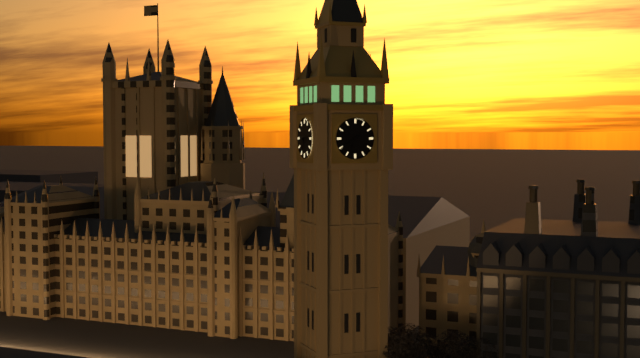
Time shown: 6:40
